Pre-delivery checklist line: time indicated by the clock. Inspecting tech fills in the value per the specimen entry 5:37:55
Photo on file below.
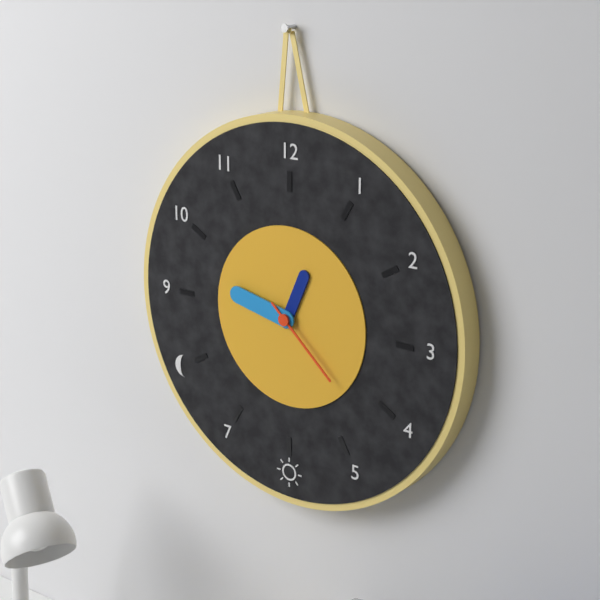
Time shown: 12:47:22
